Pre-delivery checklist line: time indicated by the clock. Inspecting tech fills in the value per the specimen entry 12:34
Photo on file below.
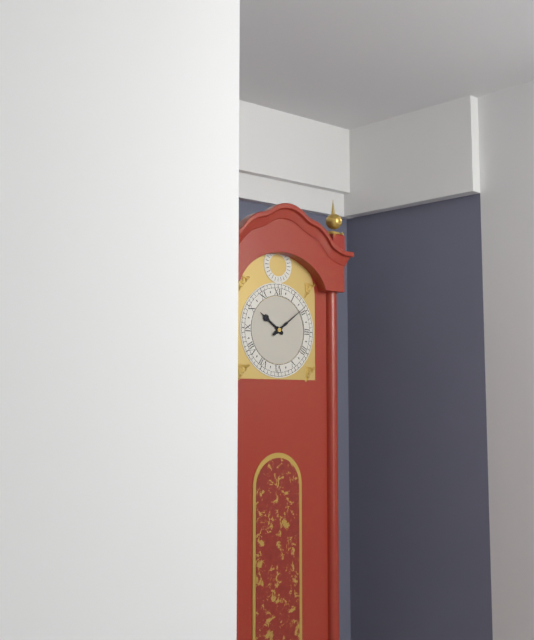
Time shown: 10:09
